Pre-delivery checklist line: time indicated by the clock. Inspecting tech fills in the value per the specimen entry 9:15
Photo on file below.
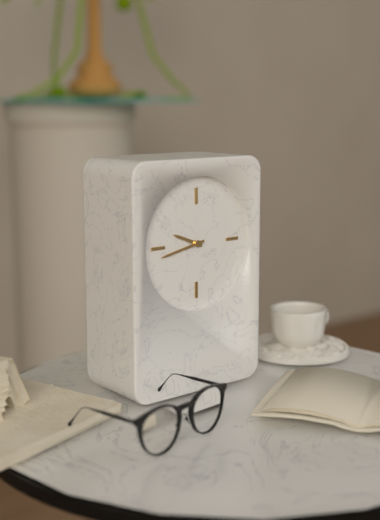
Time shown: 9:43
